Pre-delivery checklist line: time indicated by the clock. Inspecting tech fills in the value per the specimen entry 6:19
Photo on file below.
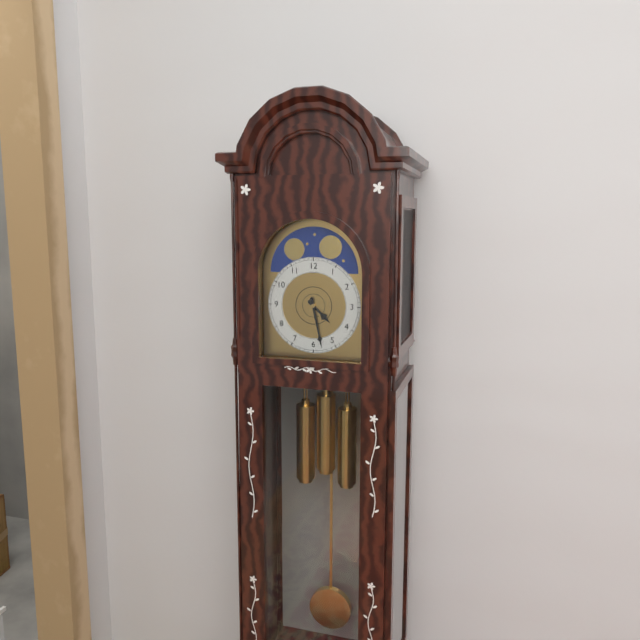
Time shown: 4:28
